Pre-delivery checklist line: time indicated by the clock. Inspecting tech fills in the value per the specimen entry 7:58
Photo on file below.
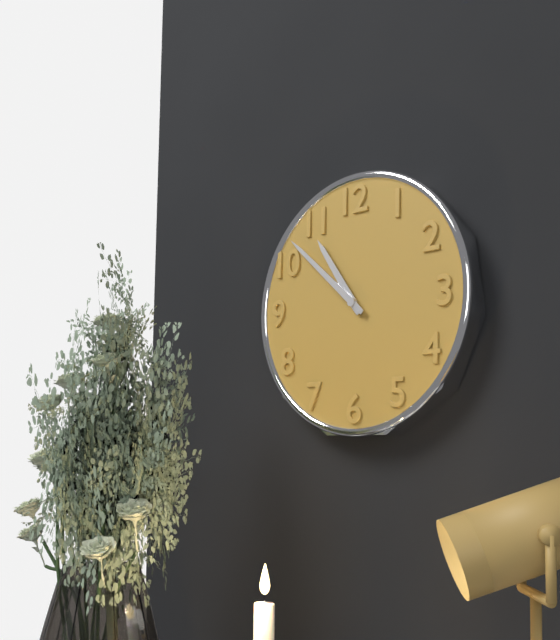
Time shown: 10:52
